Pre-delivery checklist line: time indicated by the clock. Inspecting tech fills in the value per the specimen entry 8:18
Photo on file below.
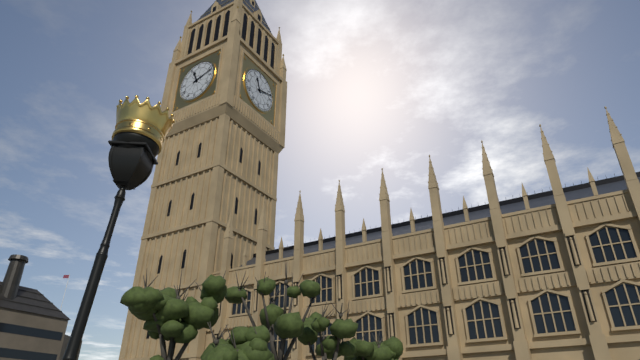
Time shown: 11:12
